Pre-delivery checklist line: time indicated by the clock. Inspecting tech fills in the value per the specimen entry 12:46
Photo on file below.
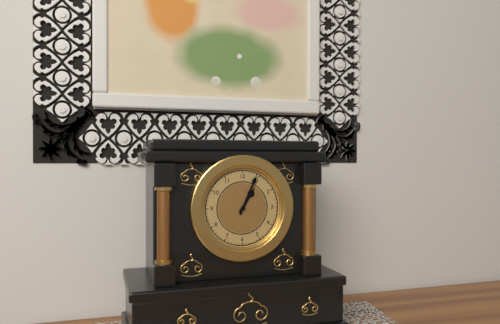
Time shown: 1:04
